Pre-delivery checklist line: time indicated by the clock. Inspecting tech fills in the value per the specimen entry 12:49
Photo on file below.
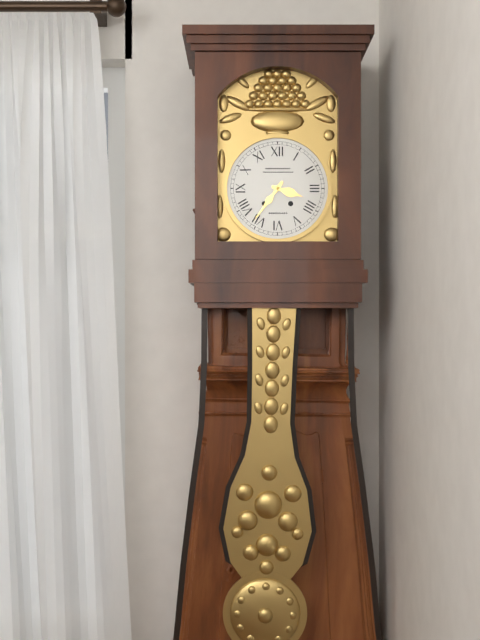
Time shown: 3:36
